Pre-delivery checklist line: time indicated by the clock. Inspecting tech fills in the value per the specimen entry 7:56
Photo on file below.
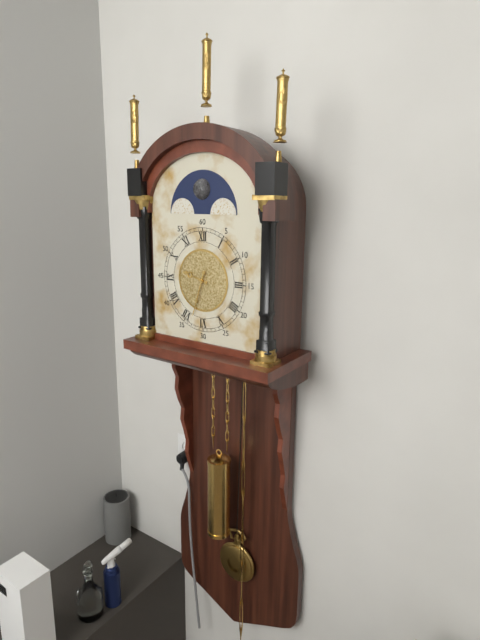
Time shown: 9:33
